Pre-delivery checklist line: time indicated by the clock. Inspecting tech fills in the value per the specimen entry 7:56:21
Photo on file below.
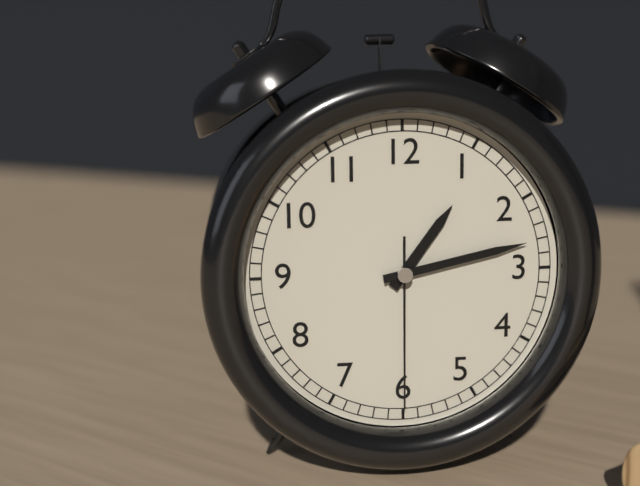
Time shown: 1:13:30
